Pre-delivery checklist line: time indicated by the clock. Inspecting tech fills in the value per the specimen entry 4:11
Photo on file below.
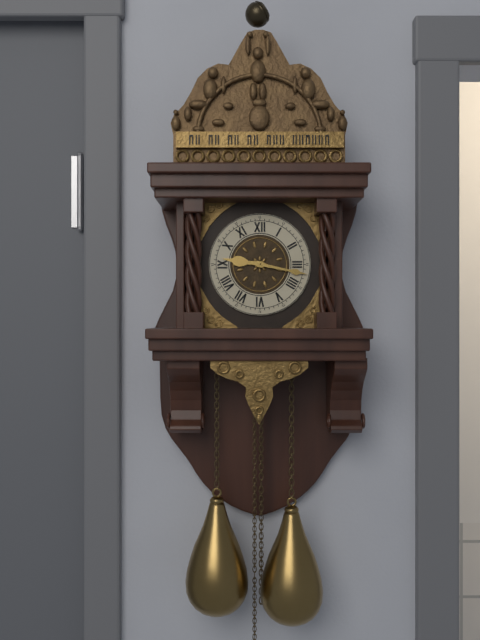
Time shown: 9:17
